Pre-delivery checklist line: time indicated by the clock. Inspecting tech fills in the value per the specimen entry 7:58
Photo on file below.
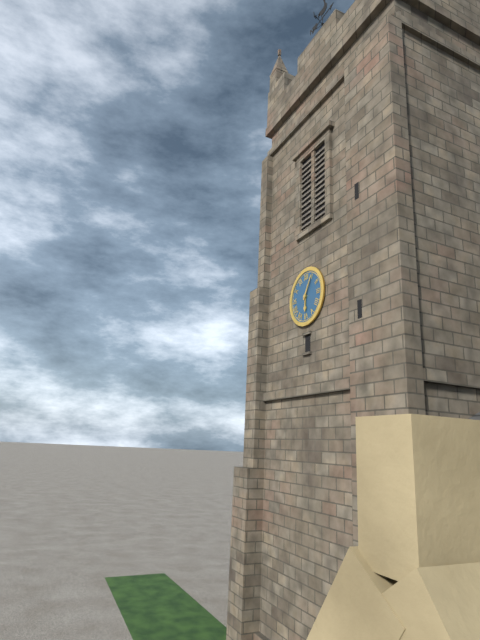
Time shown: 6:05
